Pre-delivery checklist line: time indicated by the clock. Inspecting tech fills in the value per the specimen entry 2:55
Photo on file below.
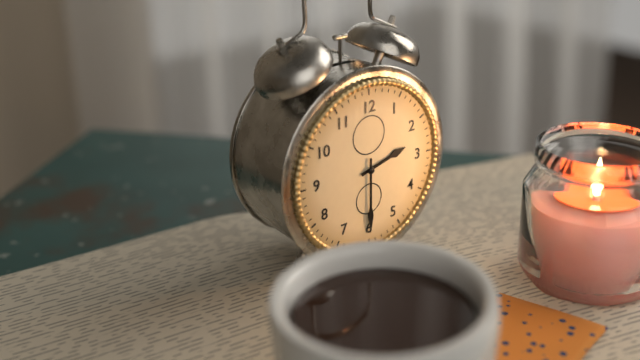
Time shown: 2:30
